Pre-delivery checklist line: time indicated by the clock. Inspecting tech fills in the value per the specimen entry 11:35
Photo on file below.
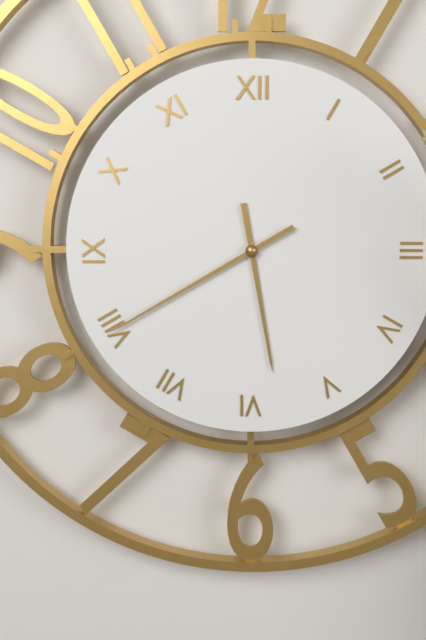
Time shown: 5:40
